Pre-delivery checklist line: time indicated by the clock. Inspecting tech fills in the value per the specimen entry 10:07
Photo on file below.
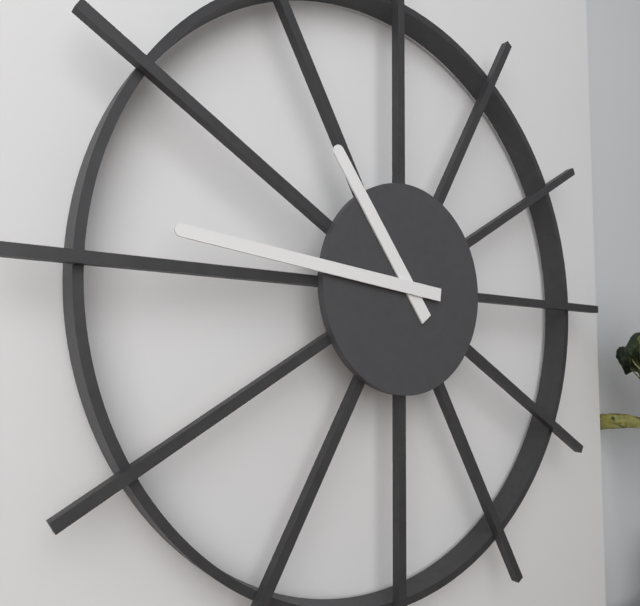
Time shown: 10:46
